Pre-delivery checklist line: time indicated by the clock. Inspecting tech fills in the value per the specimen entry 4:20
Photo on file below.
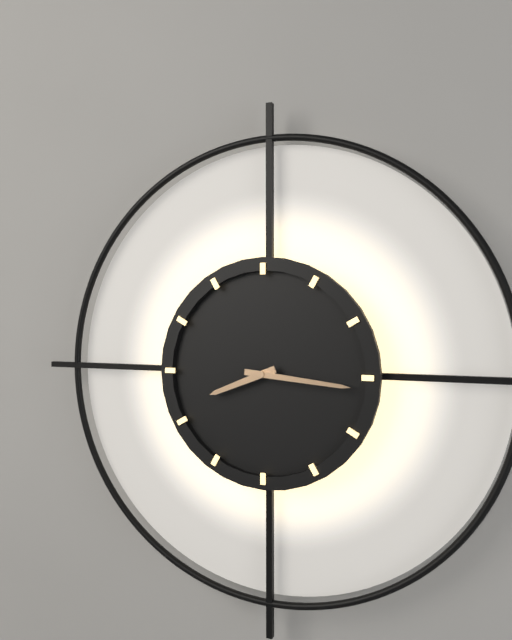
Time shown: 8:16
